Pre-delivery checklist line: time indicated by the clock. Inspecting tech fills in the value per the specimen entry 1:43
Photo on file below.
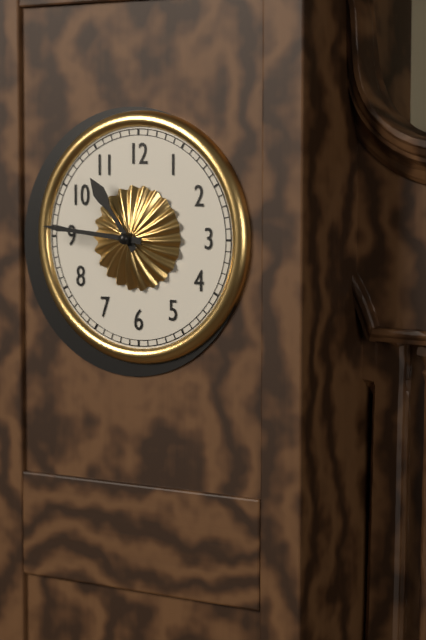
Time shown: 10:46
